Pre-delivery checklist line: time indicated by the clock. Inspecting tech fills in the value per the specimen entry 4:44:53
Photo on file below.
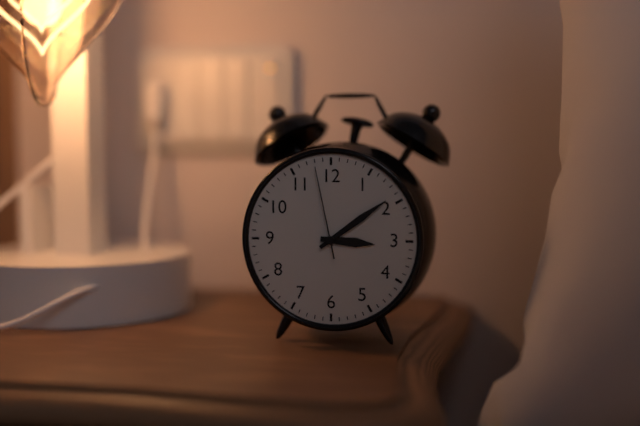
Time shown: 3:09:58
